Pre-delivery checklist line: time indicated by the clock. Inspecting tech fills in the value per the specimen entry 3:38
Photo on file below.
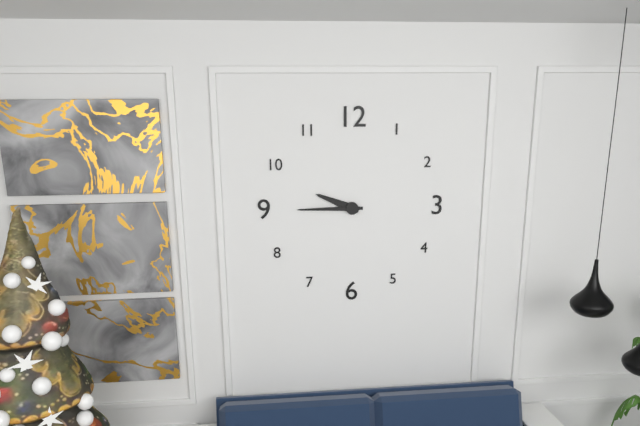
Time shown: 9:45
